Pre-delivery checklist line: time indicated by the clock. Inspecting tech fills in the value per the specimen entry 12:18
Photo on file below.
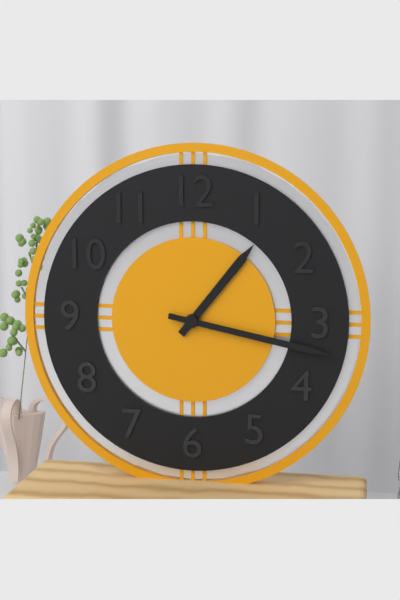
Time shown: 1:17
